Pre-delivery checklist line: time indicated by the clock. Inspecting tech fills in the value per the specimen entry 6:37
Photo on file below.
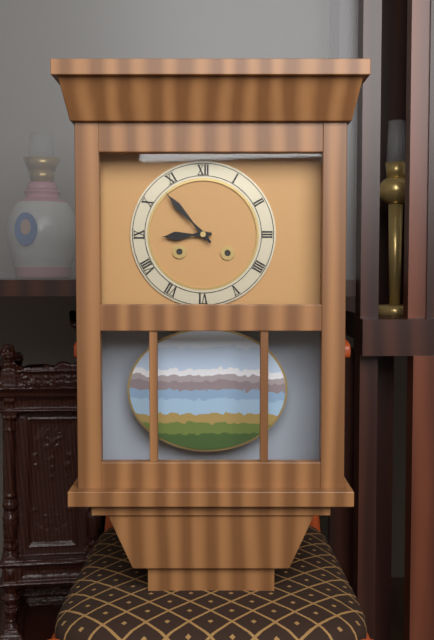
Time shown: 8:53
